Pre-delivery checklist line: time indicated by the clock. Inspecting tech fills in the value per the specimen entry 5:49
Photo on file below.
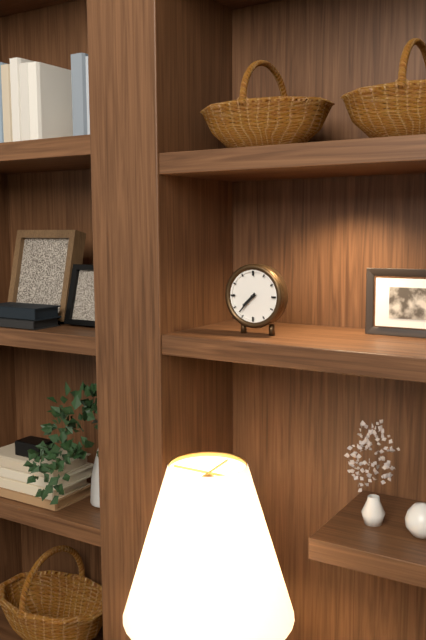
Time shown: 7:37
